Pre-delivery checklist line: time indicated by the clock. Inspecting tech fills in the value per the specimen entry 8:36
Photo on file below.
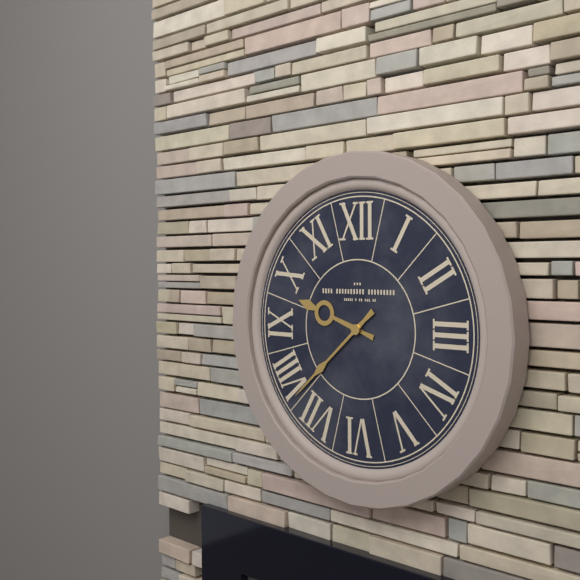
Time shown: 9:38
